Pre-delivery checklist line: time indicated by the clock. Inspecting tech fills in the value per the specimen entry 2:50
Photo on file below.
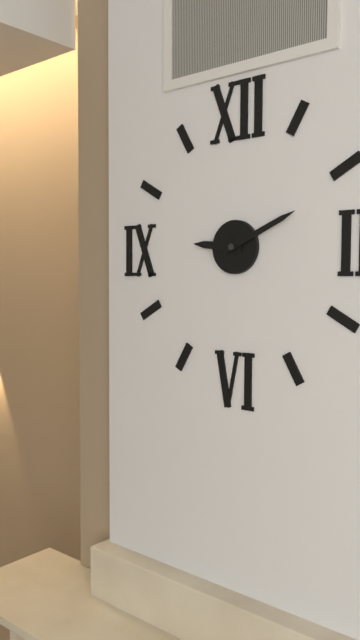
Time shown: 9:11
